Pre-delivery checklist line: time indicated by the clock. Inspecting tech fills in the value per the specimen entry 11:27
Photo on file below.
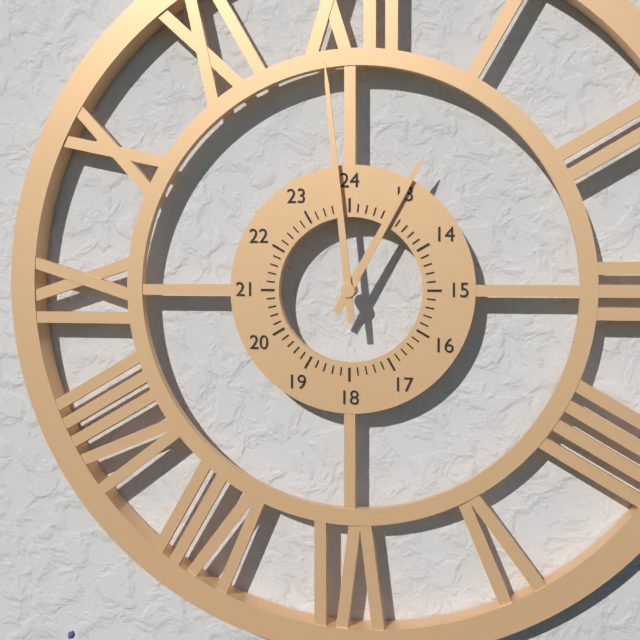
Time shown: 12:59
